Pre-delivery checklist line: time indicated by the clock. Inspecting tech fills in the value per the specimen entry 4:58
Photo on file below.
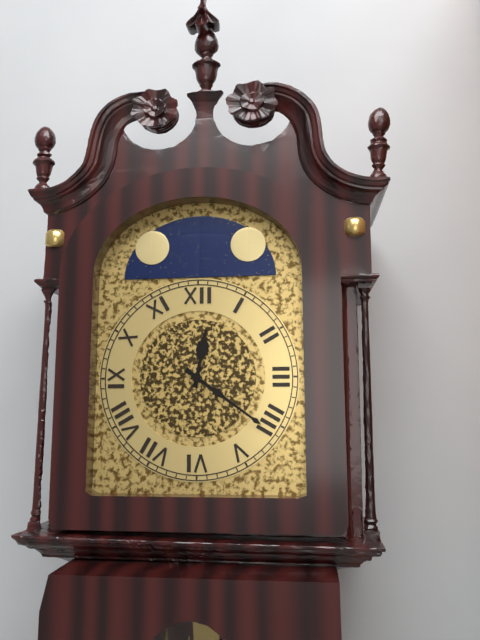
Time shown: 12:21
